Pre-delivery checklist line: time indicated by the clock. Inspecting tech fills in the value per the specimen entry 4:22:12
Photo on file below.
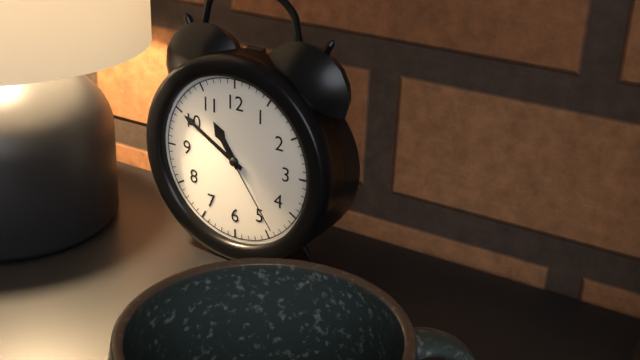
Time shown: 10:50:24
